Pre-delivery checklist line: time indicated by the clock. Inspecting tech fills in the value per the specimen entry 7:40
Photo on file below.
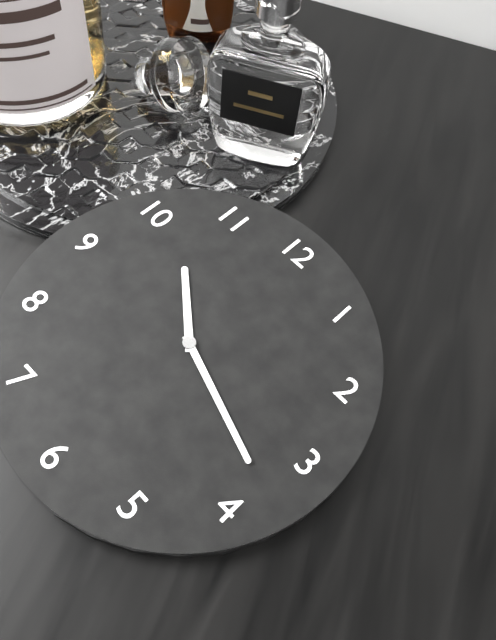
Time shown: 10:18
